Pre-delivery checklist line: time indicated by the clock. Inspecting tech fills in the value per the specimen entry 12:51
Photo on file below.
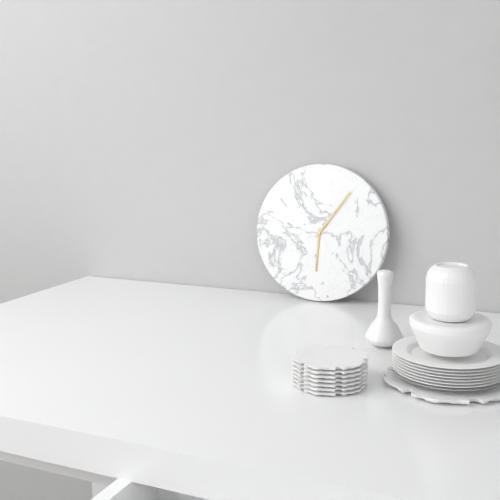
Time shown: 6:06
